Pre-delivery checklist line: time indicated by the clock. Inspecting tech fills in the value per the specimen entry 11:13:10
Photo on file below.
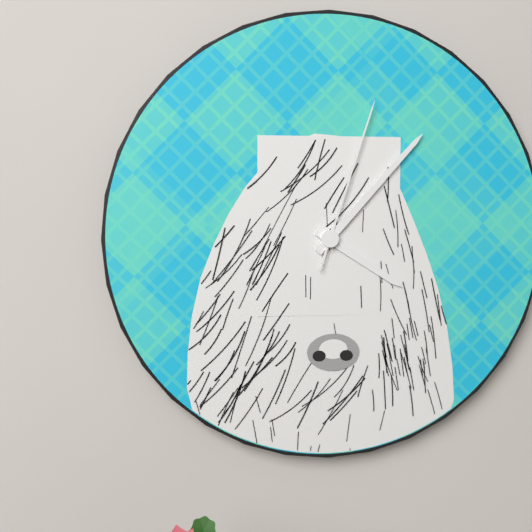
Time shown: 4:07:03
